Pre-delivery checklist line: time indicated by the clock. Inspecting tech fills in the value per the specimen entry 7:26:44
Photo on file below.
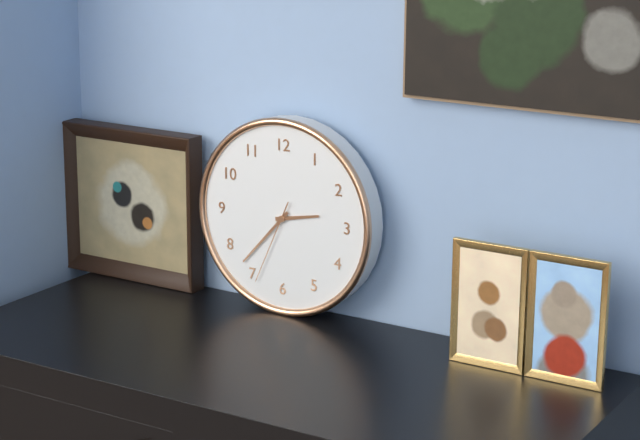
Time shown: 2:37:34
